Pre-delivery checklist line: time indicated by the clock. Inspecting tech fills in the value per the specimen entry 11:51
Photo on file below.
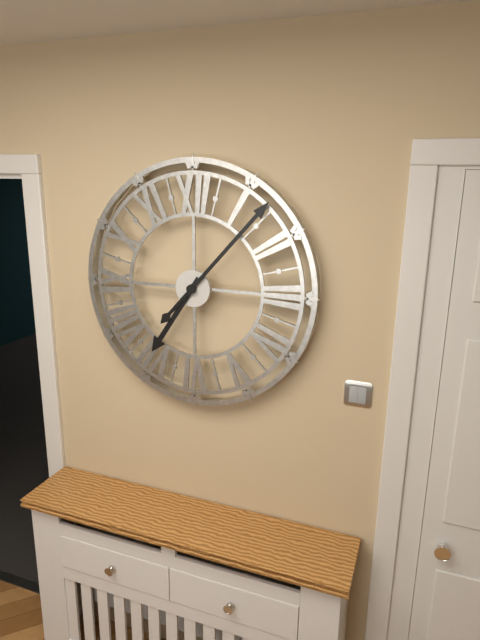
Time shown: 7:07
